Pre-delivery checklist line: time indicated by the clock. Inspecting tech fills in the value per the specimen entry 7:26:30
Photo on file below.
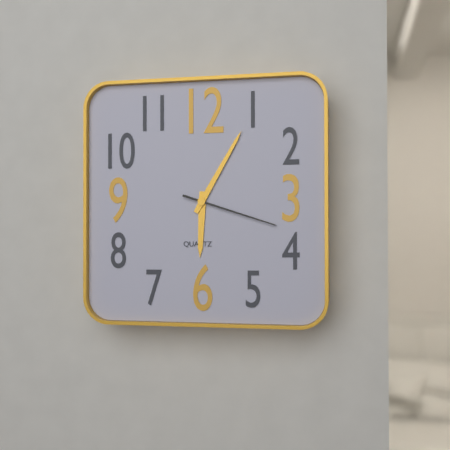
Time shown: 6:05:18
